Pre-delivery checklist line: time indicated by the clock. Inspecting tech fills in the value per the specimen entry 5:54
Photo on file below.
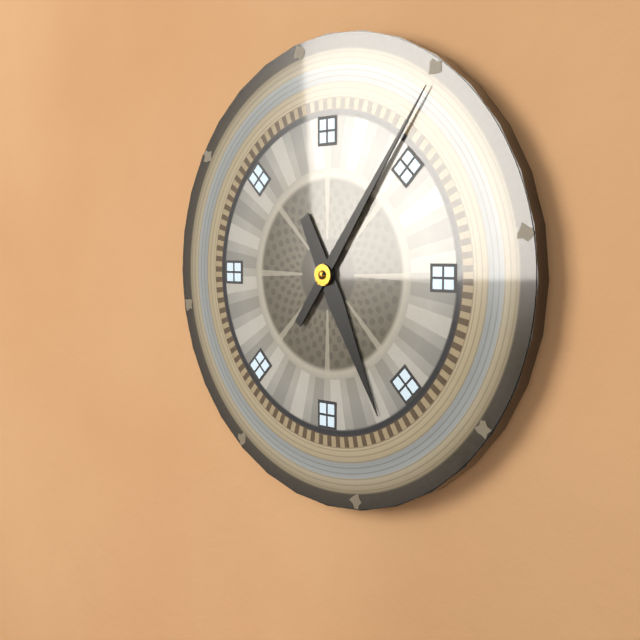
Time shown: 5:06
